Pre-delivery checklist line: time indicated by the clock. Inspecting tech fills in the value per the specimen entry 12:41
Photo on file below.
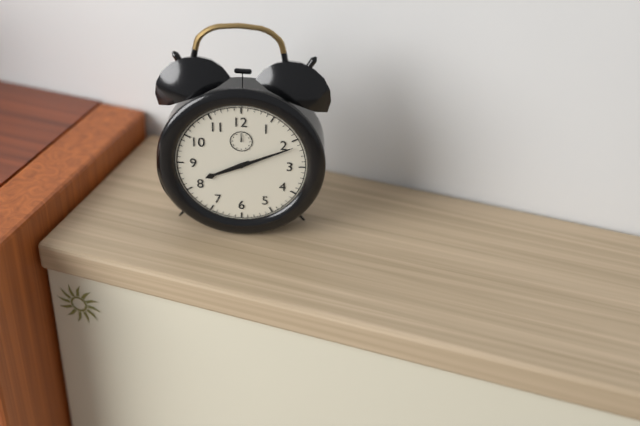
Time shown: 8:11
